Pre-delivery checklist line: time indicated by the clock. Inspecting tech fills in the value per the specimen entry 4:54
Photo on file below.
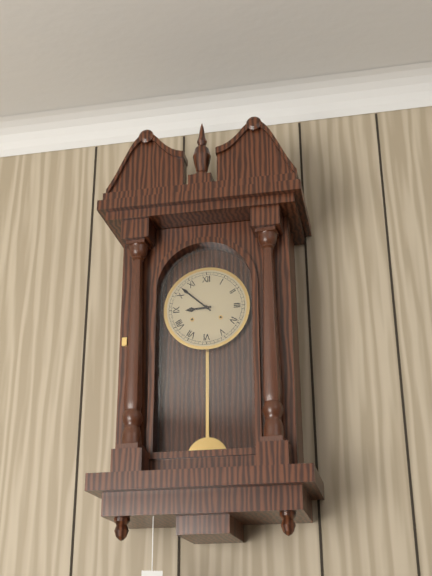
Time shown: 8:52
